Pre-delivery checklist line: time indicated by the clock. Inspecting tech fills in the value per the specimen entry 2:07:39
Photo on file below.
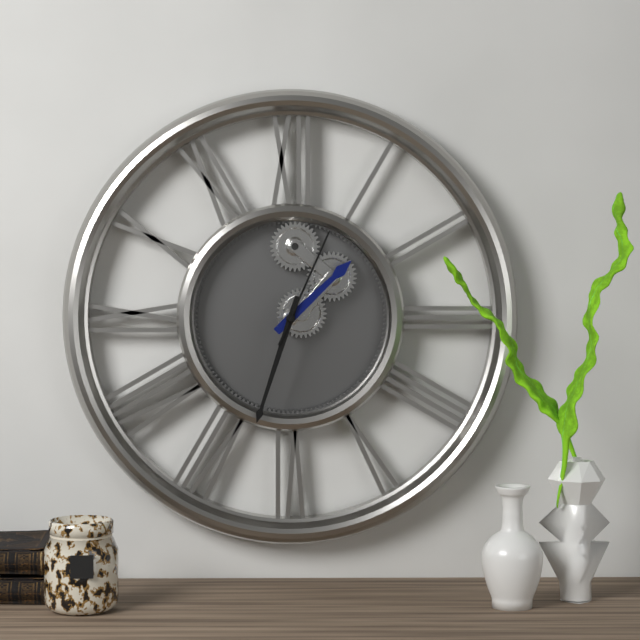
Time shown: 1:33:04
